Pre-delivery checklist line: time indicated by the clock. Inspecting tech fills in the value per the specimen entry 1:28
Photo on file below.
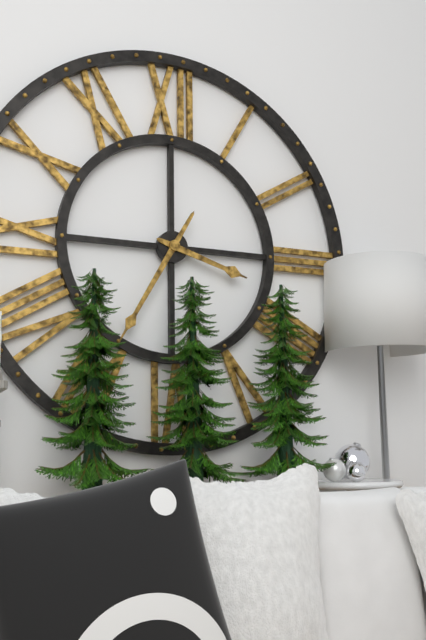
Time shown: 3:35
